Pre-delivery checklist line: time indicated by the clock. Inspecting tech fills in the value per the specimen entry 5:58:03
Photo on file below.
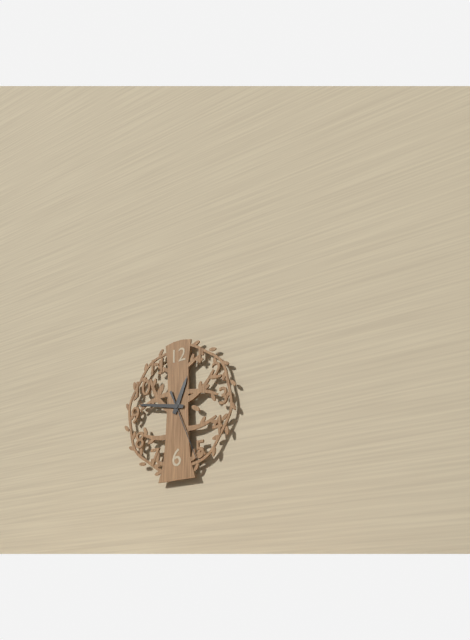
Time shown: 12:47:26
